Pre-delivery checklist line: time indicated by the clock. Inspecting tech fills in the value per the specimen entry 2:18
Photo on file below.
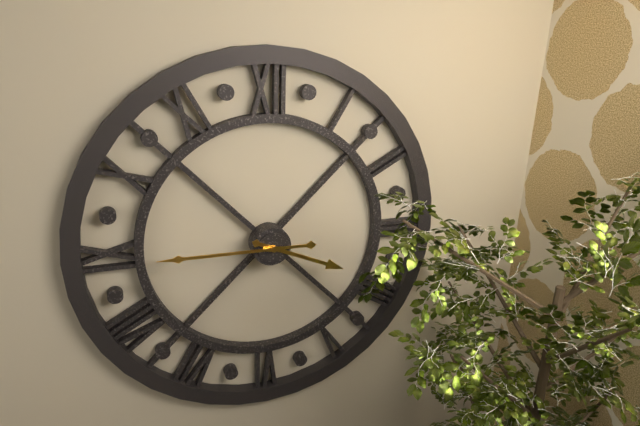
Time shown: 3:45
